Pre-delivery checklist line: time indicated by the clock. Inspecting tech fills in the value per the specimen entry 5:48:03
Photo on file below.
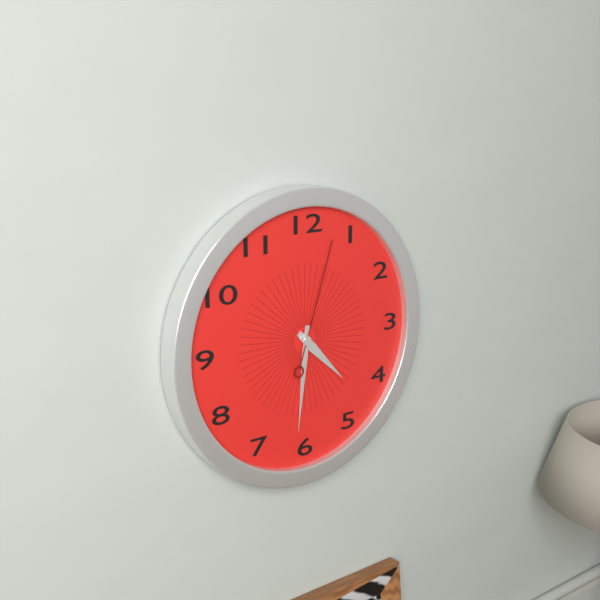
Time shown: 4:31:03
